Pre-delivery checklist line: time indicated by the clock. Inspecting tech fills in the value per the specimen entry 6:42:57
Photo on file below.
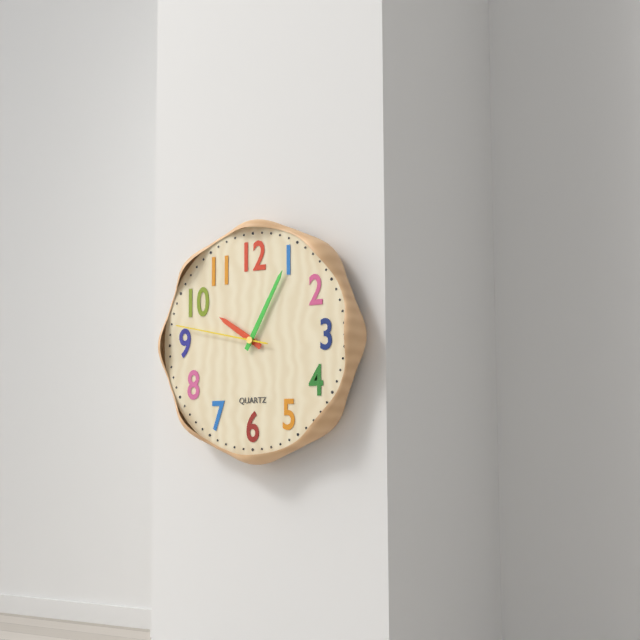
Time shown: 10:05:47
